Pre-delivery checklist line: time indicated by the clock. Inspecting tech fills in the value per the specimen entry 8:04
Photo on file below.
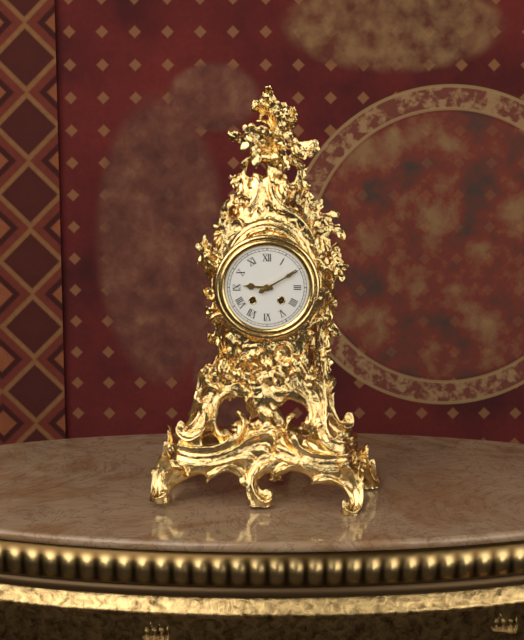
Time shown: 9:10
